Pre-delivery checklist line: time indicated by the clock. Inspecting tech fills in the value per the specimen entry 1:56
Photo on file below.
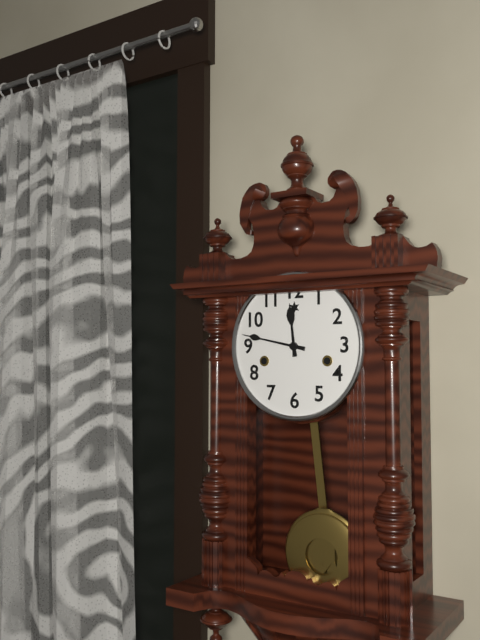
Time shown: 11:47
